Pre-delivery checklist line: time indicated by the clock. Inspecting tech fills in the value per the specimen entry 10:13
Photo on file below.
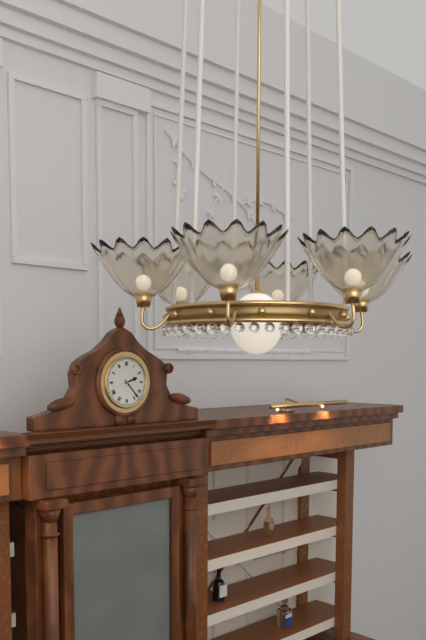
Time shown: 2:23
